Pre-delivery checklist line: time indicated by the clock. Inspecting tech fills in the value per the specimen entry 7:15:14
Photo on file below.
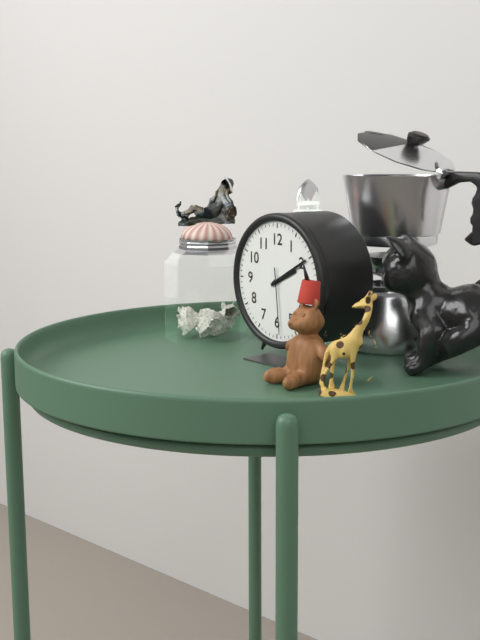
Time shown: 2:10:29
